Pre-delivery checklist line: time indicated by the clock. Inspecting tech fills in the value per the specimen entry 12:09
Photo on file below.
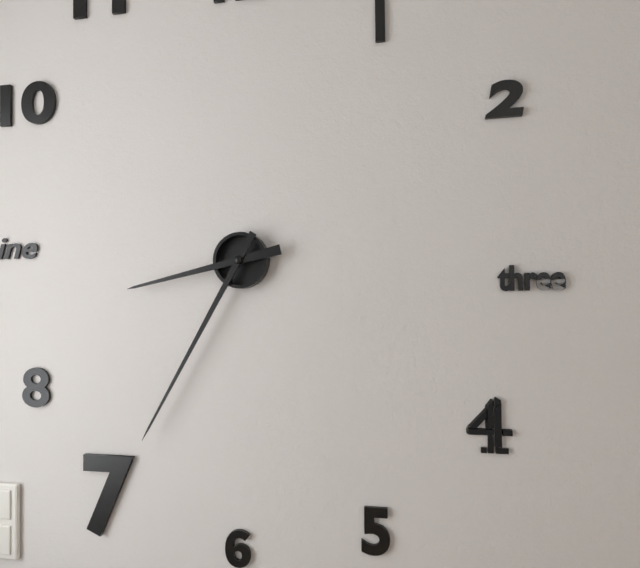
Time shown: 8:35
